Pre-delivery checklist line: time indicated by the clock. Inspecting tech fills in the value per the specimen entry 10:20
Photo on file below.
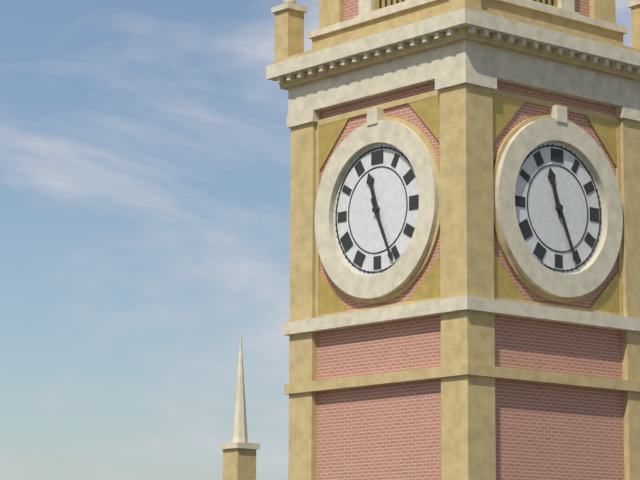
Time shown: 11:26
